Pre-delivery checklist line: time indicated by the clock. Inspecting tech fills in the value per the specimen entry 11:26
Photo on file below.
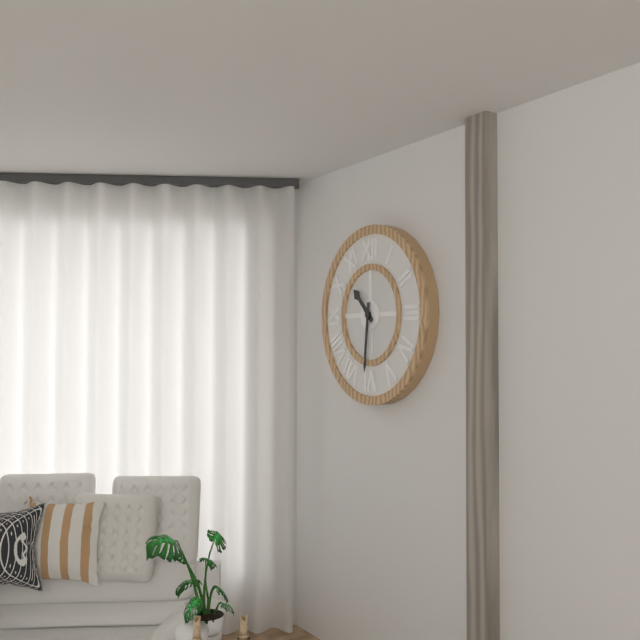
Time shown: 10:31
